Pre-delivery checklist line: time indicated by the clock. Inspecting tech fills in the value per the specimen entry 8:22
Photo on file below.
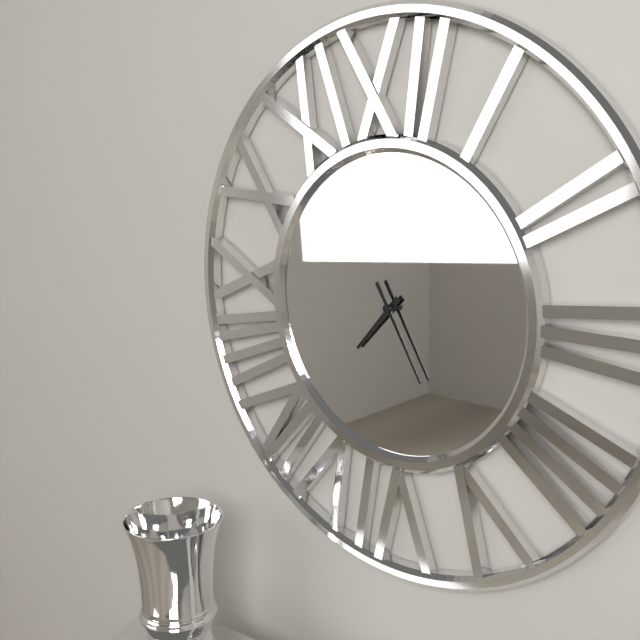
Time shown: 7:25
